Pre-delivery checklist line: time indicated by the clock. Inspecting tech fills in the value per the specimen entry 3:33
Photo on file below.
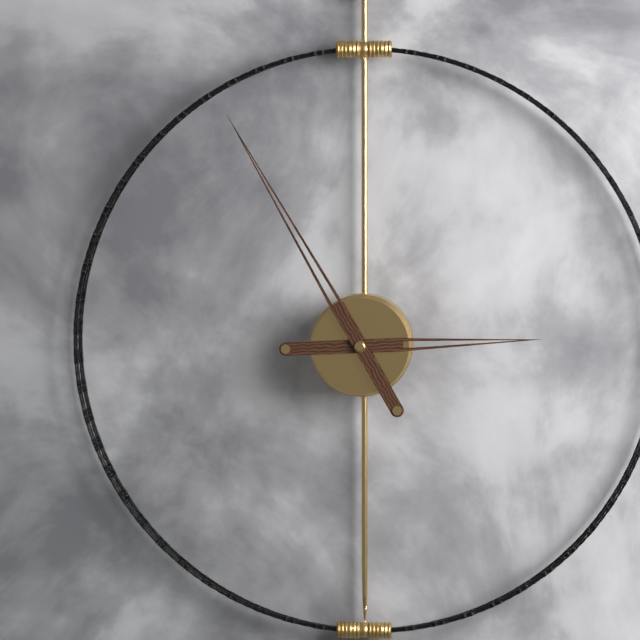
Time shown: 2:55
